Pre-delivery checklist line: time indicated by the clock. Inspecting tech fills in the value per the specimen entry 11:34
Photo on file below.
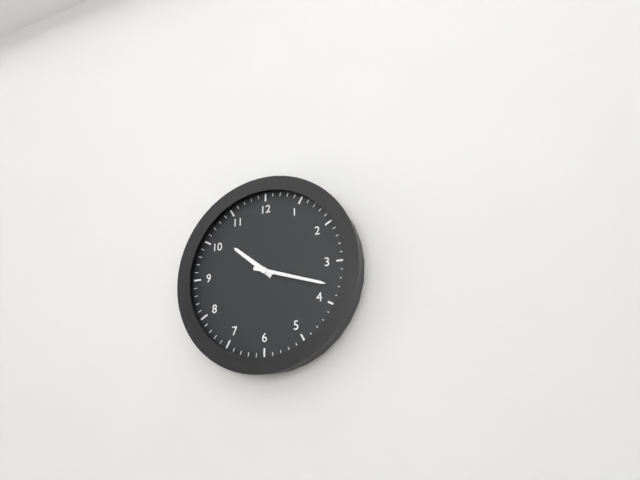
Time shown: 10:18
